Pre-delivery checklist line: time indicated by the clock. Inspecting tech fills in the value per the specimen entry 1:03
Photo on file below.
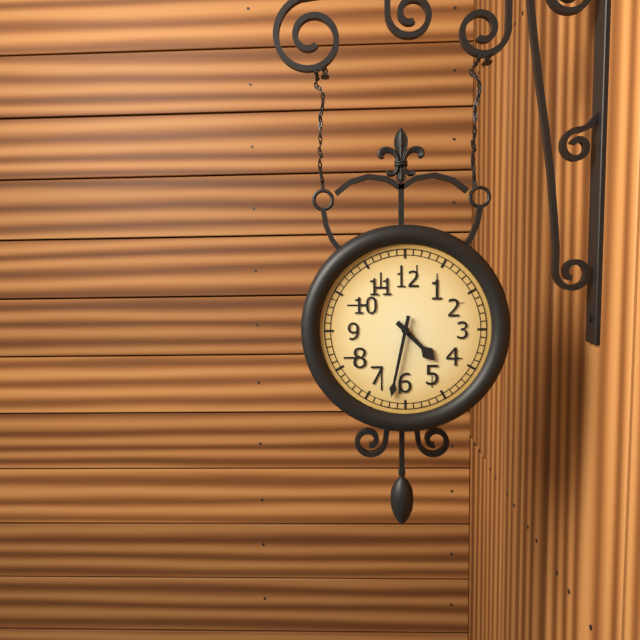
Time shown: 4:32
